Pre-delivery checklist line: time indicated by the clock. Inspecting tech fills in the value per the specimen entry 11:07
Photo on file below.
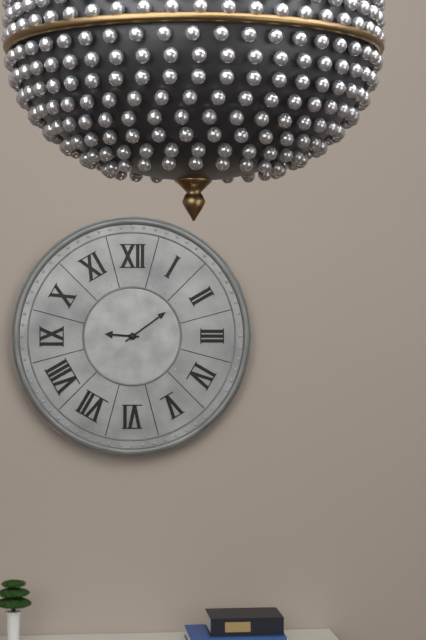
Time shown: 9:09
